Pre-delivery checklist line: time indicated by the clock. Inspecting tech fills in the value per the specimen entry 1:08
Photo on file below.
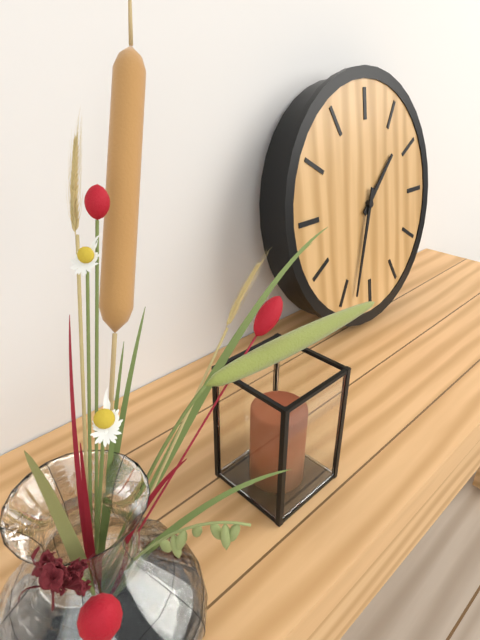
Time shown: 1:33
